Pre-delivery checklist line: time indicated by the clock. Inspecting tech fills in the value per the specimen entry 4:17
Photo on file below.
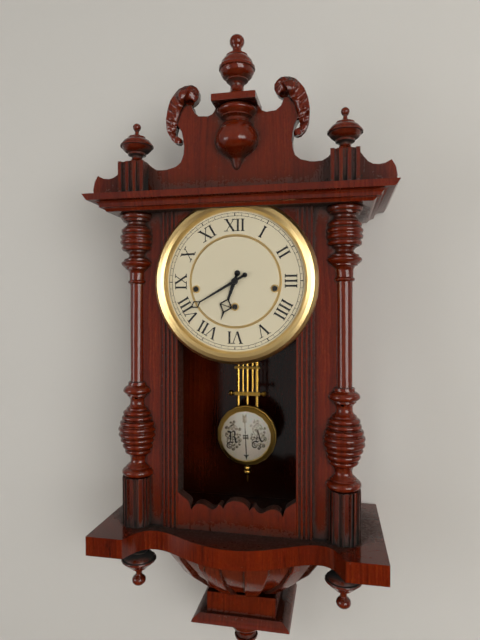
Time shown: 6:40
